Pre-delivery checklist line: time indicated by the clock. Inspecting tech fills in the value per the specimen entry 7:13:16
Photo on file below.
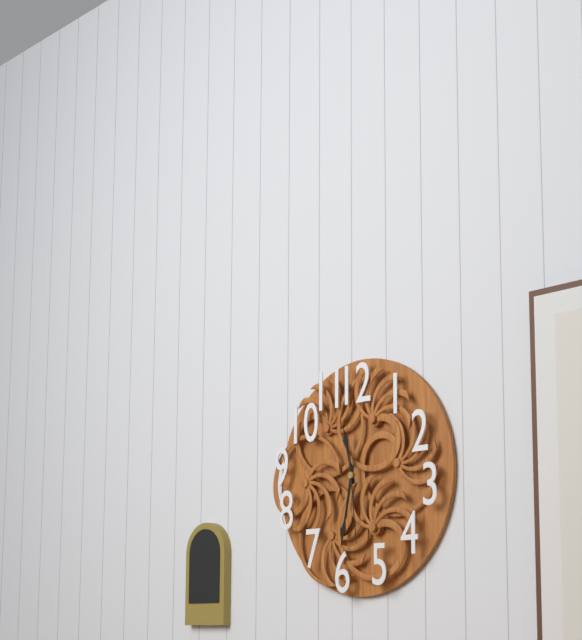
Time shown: 11:32:29
